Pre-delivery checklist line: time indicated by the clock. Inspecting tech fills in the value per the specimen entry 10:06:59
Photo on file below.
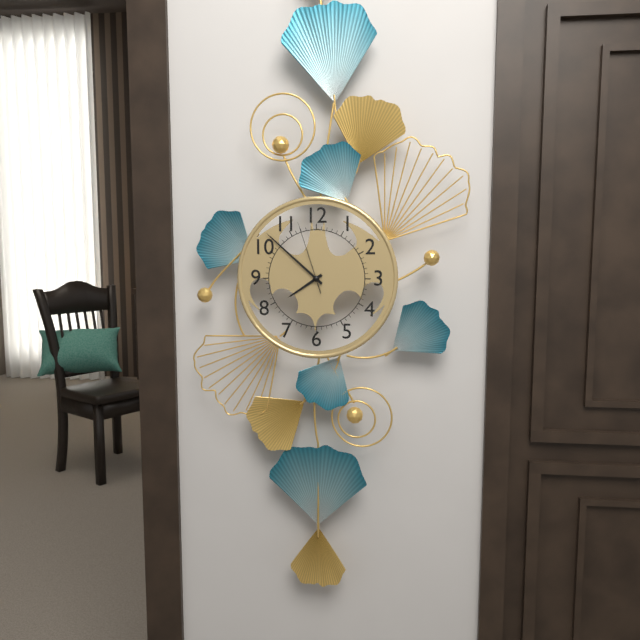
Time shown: 7:52:57
